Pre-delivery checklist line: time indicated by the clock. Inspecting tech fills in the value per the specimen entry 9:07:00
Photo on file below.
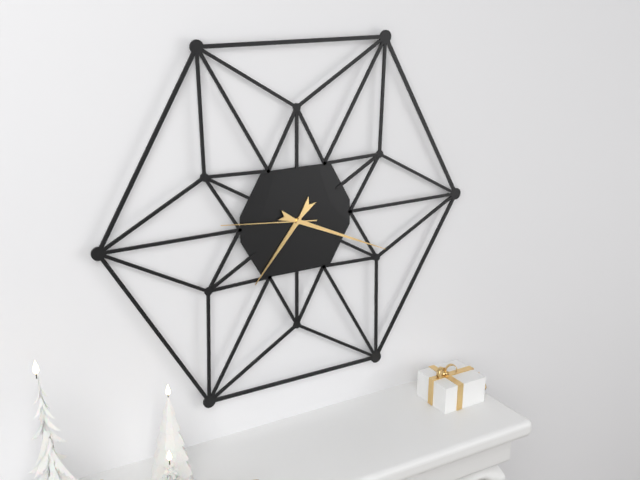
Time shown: 7:19:46
